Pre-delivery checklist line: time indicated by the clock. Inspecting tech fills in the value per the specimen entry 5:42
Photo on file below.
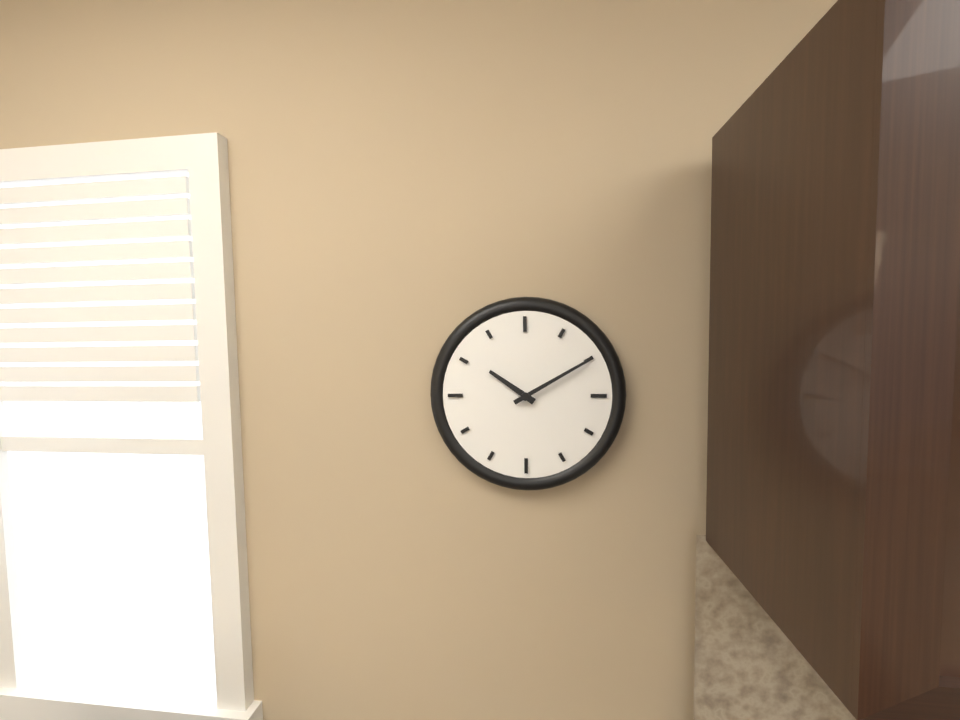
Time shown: 10:10
